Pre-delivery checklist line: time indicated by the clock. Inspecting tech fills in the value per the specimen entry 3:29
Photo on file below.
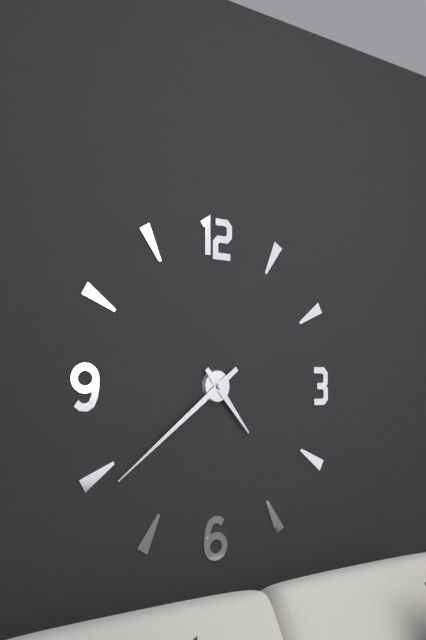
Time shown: 4:39
